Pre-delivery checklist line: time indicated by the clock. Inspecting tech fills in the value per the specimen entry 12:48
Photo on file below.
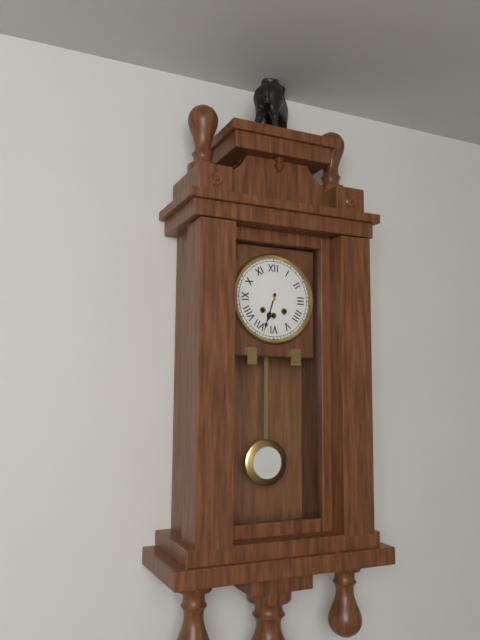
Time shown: 6:33
